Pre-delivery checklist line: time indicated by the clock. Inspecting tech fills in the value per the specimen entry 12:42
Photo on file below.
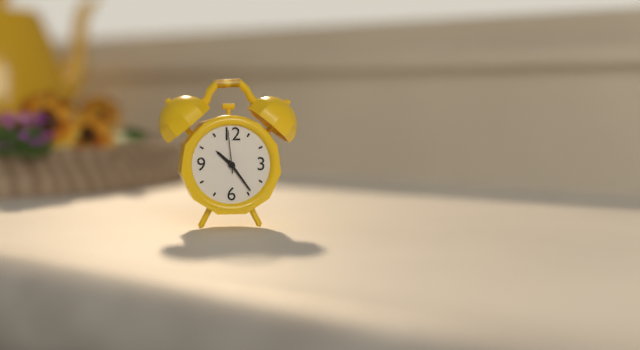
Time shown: 10:24
